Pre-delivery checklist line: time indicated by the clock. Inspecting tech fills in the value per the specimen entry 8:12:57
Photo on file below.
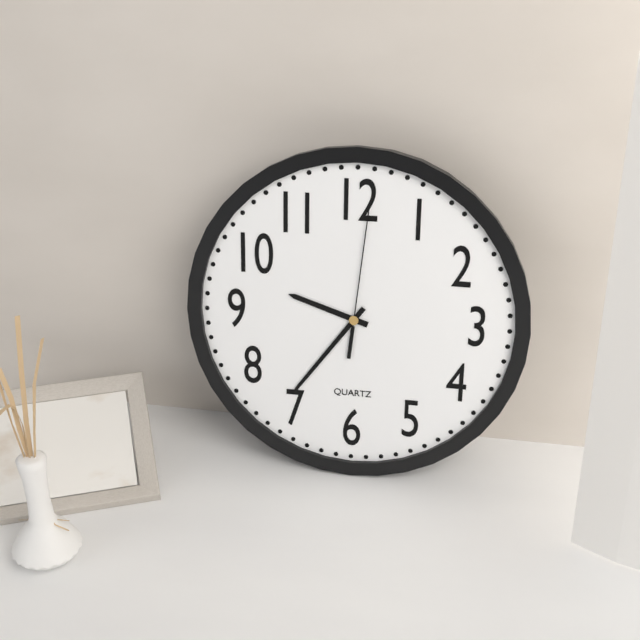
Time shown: 9:36:01
